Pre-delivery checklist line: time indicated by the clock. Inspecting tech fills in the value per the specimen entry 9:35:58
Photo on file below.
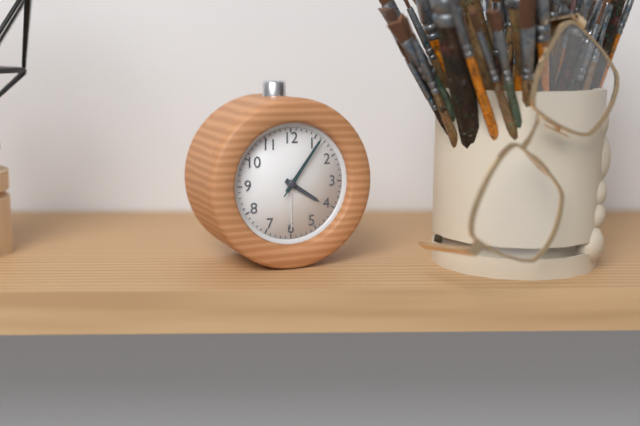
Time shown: 4:06:06
